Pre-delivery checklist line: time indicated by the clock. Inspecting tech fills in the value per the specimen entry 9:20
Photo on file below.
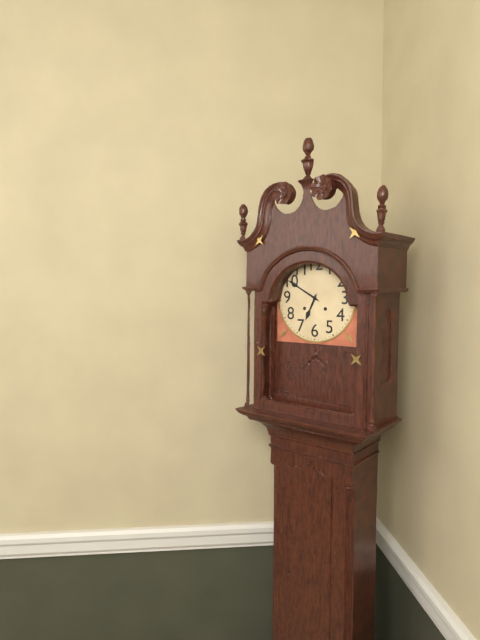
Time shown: 6:50
